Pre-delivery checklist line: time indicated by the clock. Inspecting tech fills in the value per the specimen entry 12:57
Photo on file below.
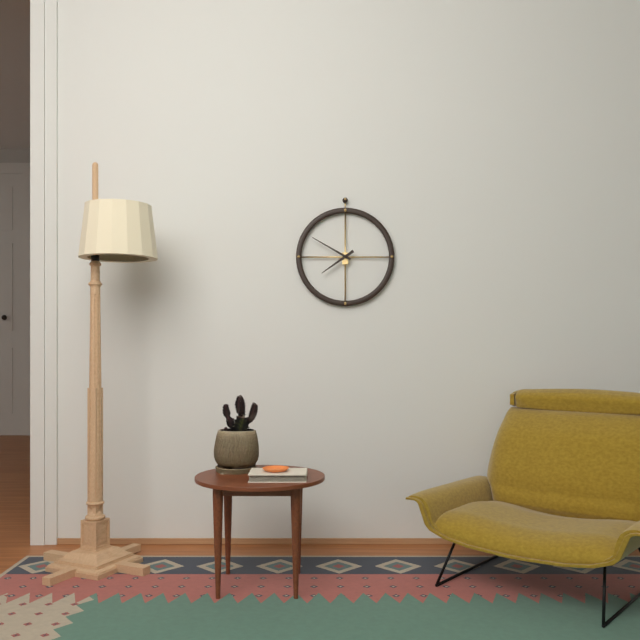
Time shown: 7:50
